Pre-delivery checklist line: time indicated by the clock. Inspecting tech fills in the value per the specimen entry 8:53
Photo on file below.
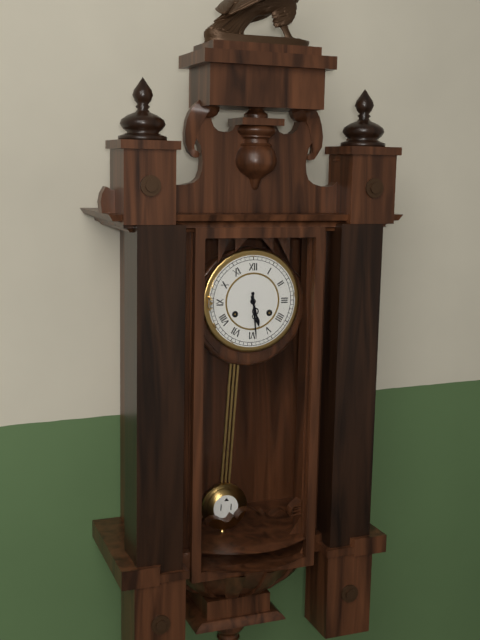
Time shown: 5:29
